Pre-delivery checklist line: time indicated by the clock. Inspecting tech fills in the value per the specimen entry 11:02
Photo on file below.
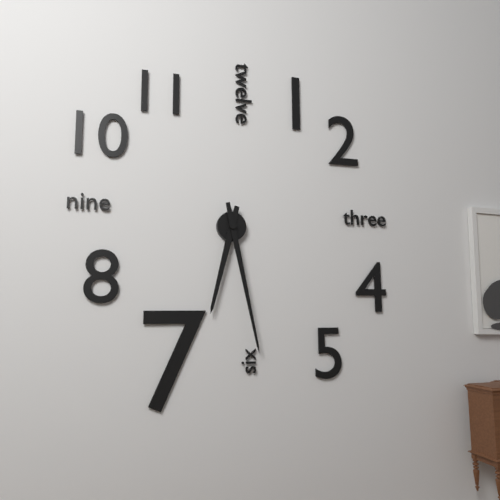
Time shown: 6:28
